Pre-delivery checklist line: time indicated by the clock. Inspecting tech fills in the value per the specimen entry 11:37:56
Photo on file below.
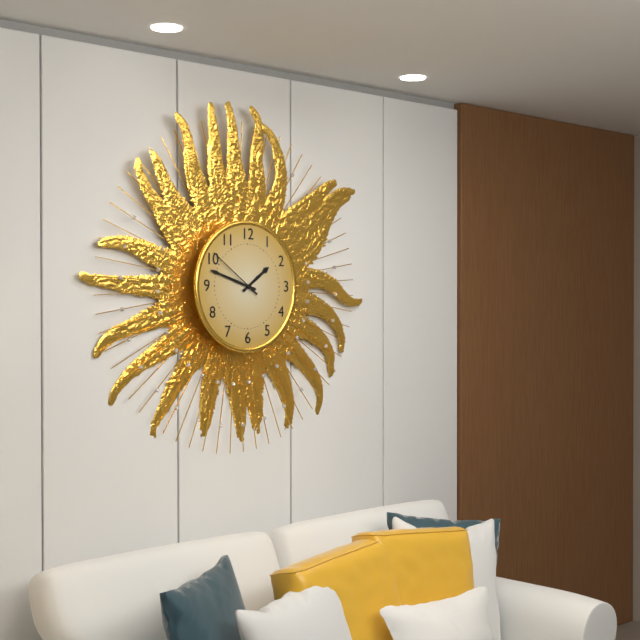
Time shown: 1:48:51
